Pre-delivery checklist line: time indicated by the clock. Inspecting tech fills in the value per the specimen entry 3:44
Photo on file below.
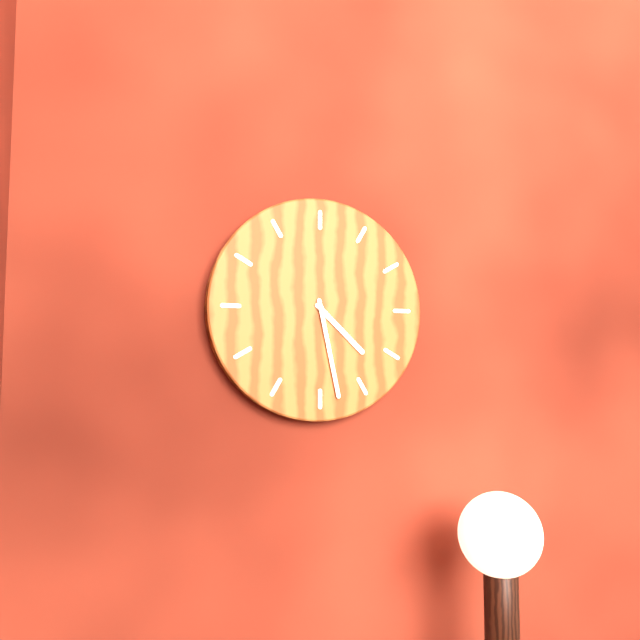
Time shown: 4:28
